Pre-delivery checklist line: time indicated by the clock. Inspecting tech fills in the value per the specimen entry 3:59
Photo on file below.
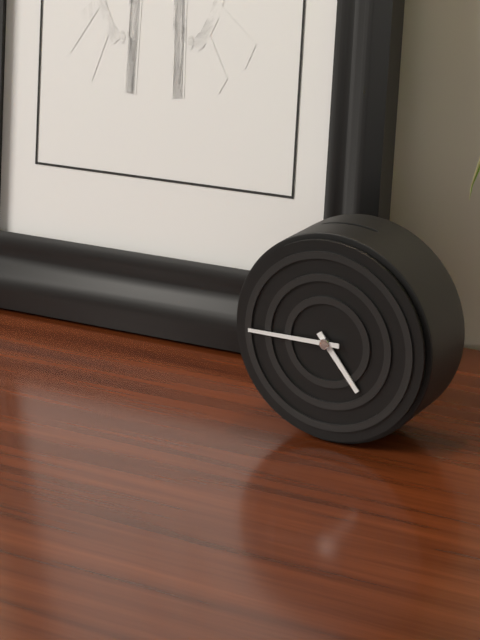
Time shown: 4:45
